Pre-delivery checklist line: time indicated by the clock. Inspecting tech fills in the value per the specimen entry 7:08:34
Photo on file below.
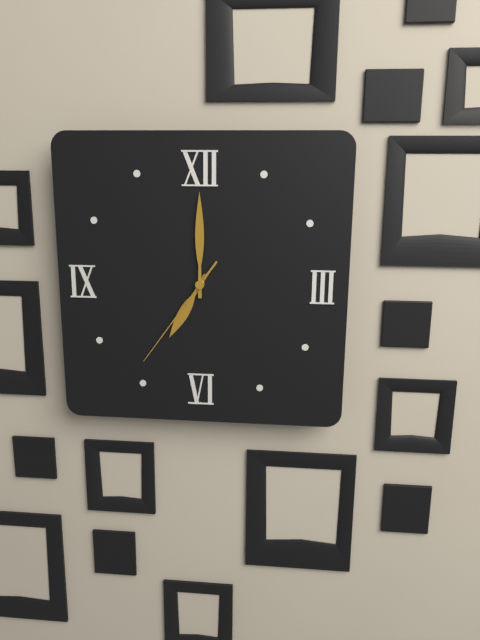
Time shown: 7:00:36
